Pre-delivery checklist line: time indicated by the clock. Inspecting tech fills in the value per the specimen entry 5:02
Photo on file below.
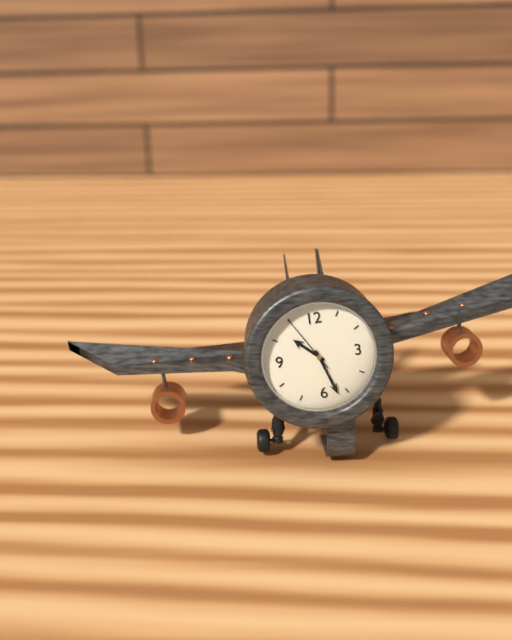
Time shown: 10:27
